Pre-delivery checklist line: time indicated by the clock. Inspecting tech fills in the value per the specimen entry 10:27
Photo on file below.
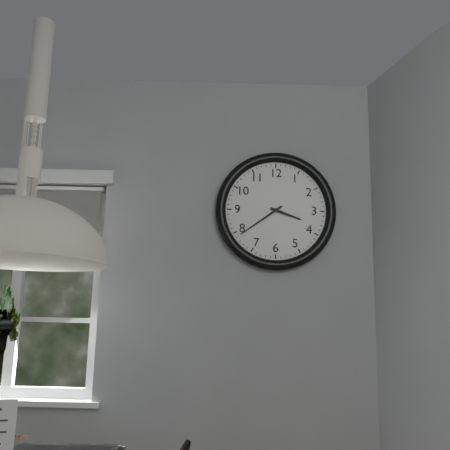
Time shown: 3:39
